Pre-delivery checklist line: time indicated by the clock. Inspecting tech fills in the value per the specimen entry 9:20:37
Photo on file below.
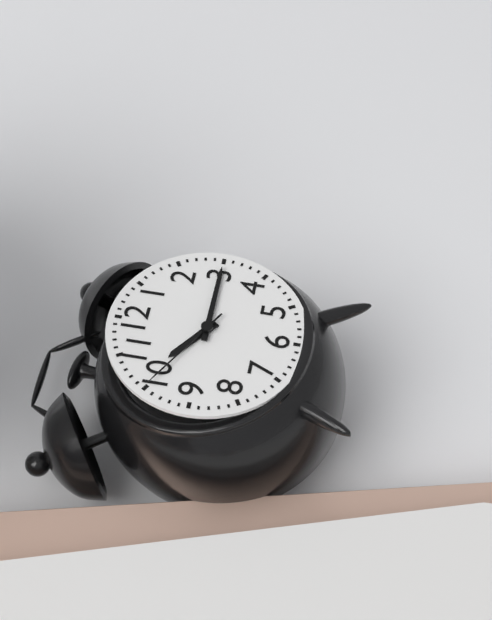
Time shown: 10:15:50
